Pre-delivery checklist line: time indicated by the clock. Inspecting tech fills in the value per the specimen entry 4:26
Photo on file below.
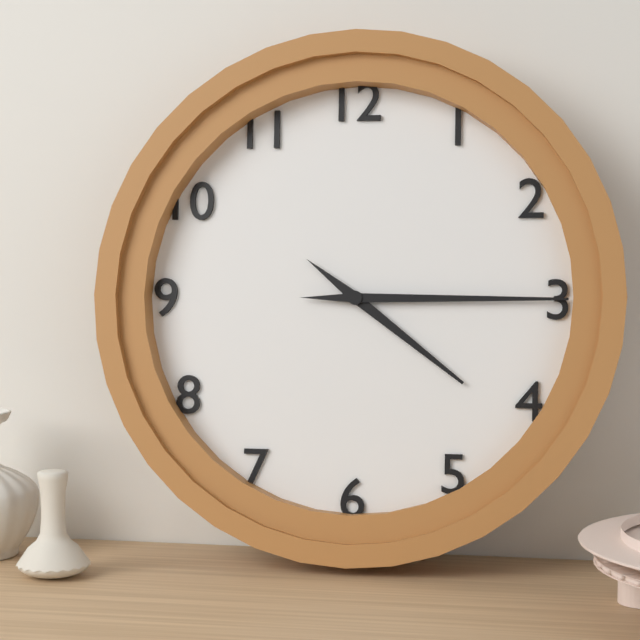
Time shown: 4:15
